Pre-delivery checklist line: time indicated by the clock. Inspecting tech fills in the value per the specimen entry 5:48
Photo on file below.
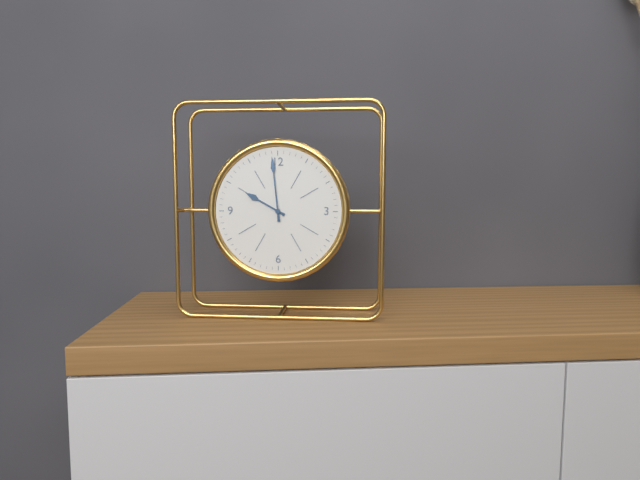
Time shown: 9:59
